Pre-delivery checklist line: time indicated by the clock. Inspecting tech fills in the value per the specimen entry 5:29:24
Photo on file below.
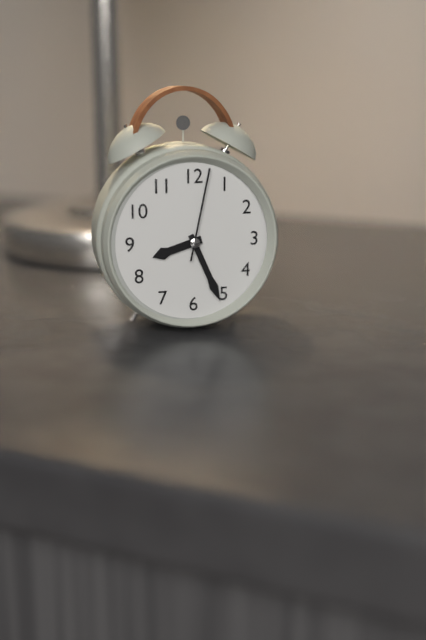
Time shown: 8:26:02
